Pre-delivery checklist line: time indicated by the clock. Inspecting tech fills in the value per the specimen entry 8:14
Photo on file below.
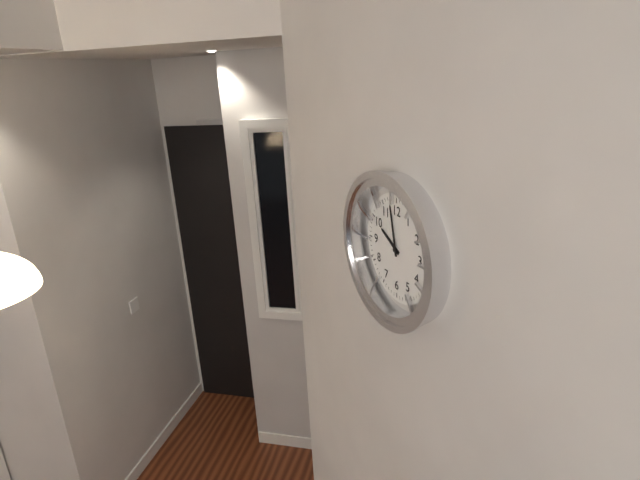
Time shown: 9:58
